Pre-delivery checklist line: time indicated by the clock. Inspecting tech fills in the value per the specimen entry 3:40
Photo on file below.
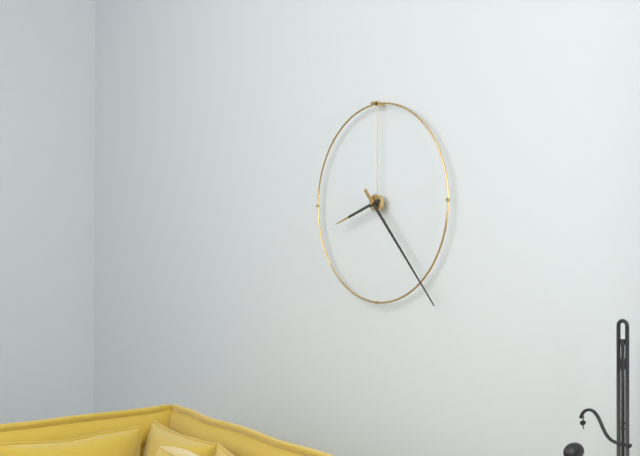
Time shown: 8:23
